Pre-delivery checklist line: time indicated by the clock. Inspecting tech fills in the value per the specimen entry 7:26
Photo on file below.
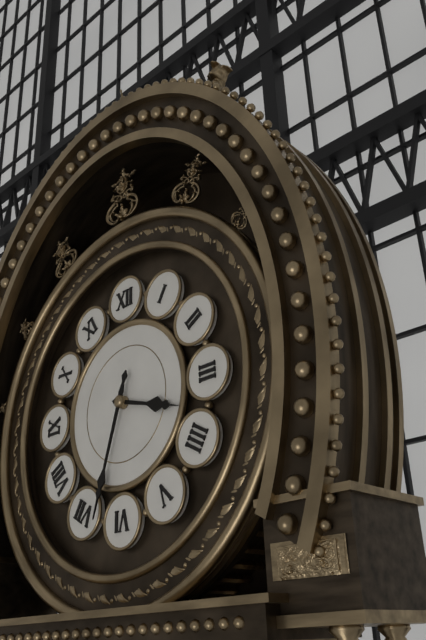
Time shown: 3:33
